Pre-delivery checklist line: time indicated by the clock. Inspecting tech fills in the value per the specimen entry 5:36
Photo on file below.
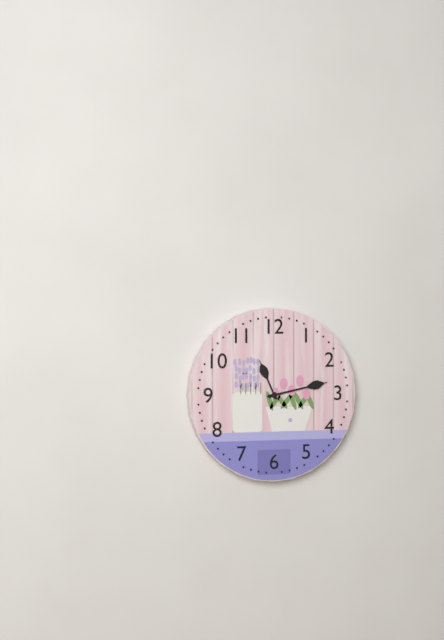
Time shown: 11:13
